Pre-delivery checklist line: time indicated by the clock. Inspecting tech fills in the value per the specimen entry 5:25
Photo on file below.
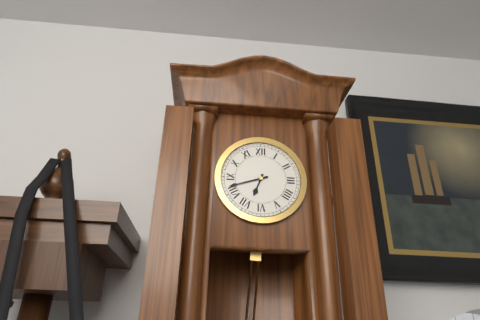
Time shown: 6:42
